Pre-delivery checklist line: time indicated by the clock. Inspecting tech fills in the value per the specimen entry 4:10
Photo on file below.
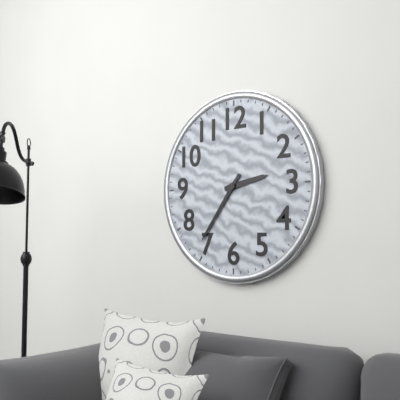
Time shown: 2:36
